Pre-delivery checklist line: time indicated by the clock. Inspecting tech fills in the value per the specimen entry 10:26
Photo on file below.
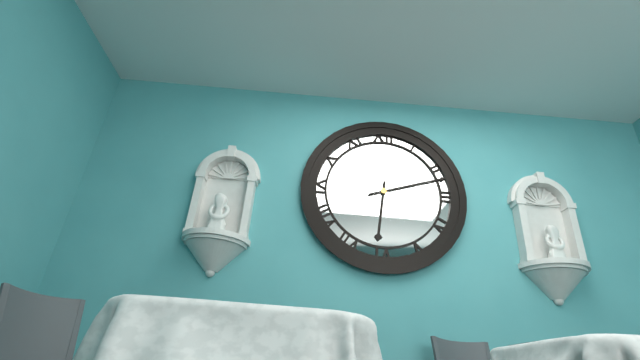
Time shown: 6:12
